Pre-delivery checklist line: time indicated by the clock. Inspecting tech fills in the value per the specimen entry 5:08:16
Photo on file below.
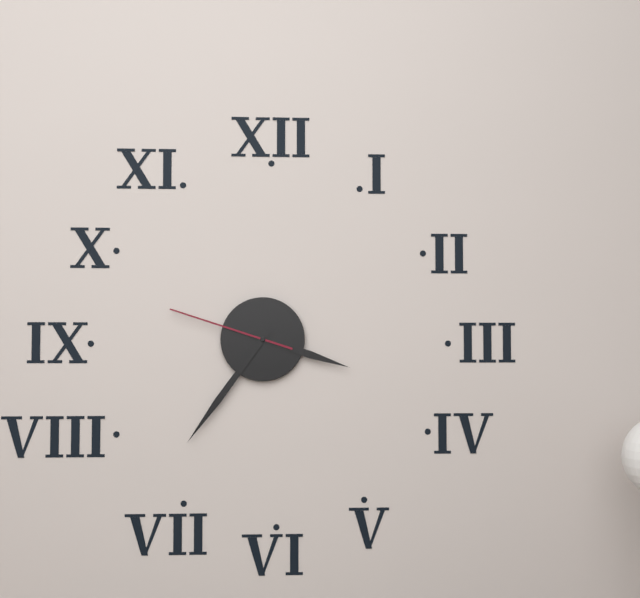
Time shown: 3:36:48
